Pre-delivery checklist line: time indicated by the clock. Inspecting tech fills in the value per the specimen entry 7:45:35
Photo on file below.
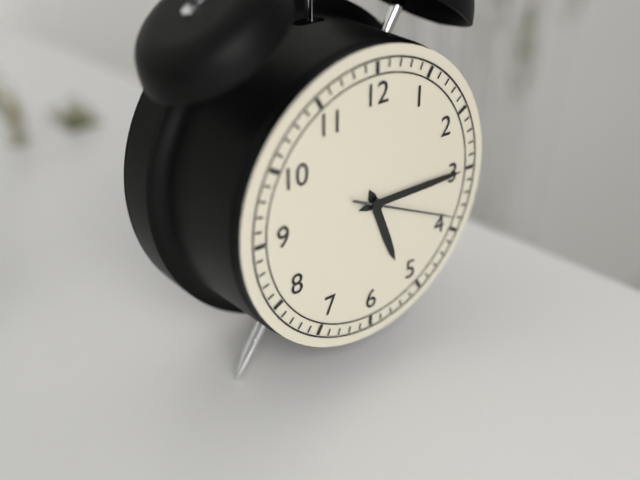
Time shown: 5:15:19
